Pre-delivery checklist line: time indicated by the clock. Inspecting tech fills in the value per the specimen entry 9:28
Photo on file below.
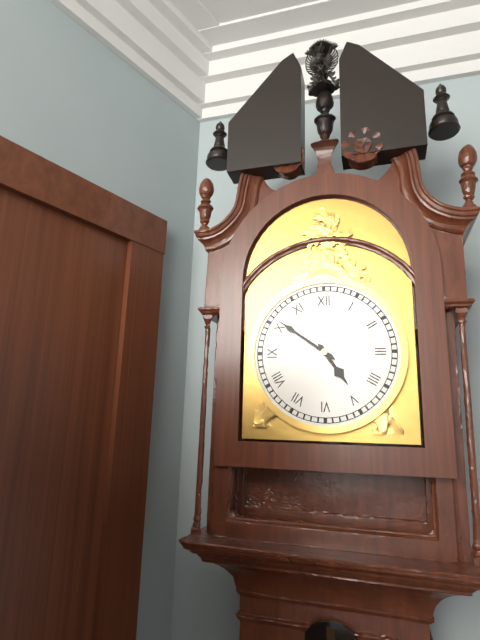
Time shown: 4:51
